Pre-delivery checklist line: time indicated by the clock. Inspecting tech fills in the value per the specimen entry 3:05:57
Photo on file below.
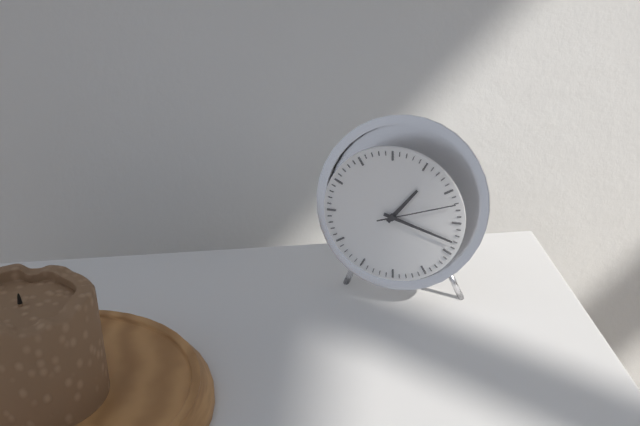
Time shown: 1:18:12
